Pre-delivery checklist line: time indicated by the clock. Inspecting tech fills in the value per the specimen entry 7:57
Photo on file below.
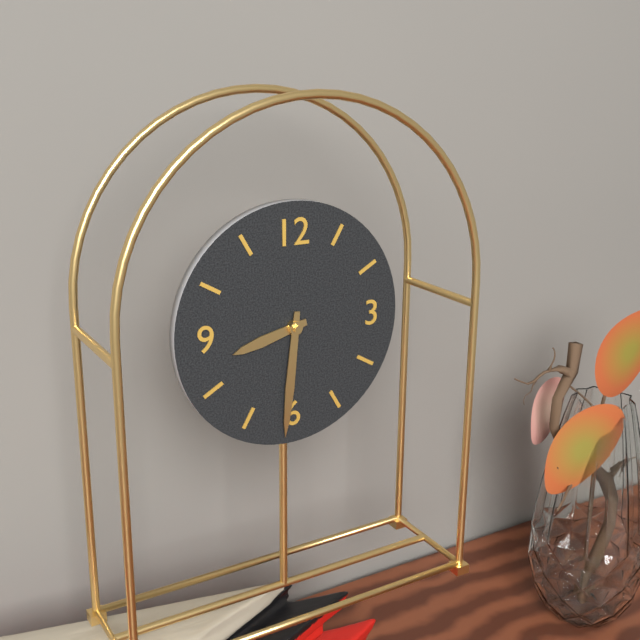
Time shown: 8:31
